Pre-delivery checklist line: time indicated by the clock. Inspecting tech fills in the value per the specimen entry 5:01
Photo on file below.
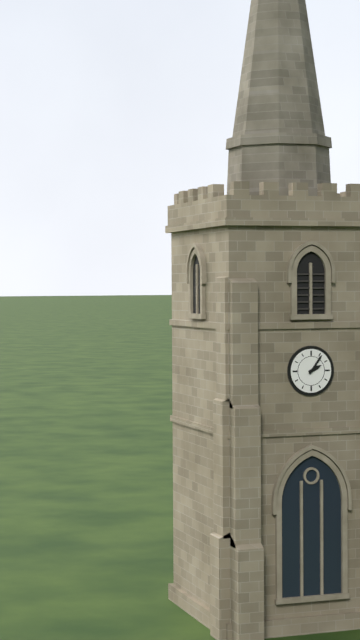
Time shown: 2:06
